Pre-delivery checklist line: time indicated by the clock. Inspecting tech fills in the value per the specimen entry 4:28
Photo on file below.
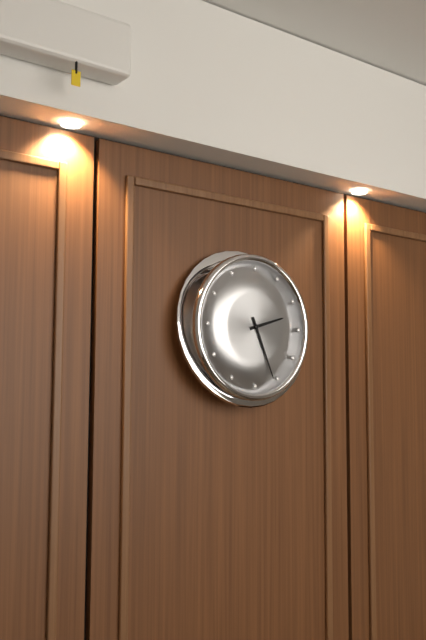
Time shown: 2:26
